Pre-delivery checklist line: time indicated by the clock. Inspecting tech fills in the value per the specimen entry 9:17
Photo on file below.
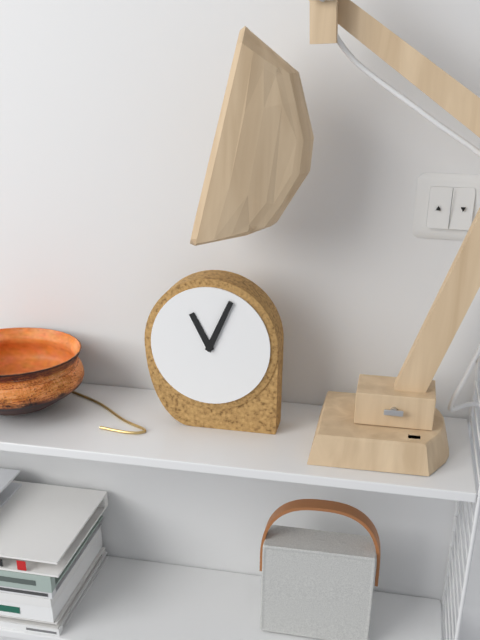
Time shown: 11:04
